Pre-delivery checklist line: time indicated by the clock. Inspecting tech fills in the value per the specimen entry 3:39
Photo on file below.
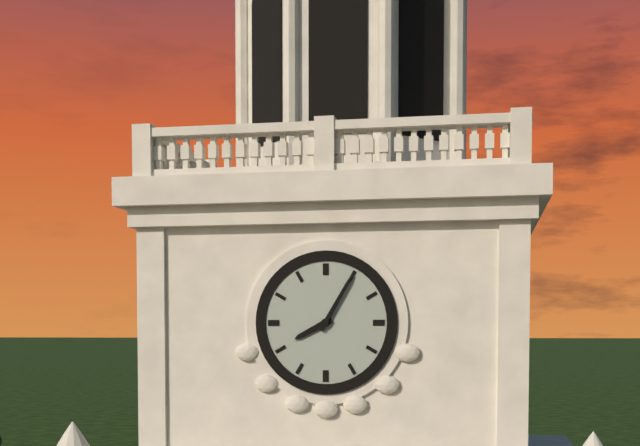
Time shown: 8:05
